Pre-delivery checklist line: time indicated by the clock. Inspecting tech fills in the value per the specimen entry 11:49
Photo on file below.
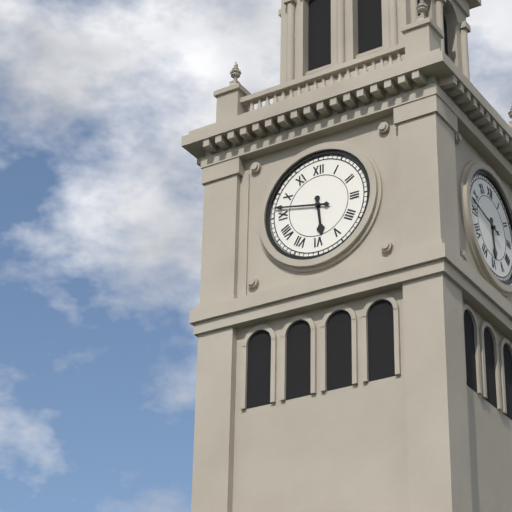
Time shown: 5:47
